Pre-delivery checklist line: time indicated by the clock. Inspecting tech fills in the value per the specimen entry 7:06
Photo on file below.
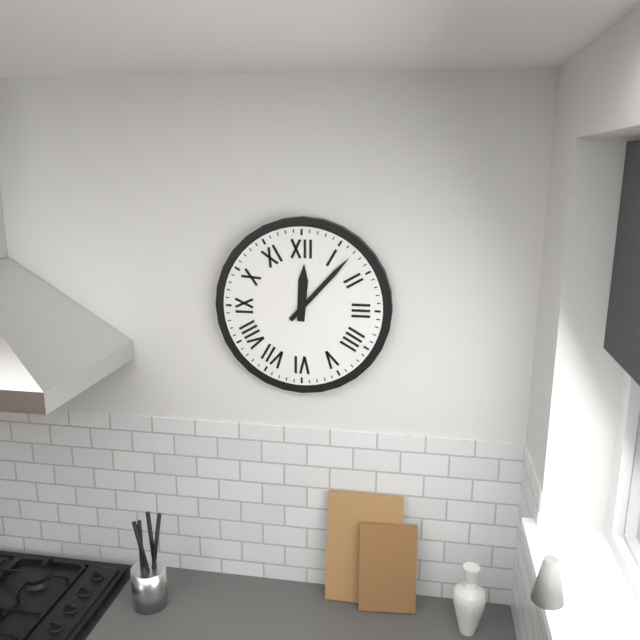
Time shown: 12:07
